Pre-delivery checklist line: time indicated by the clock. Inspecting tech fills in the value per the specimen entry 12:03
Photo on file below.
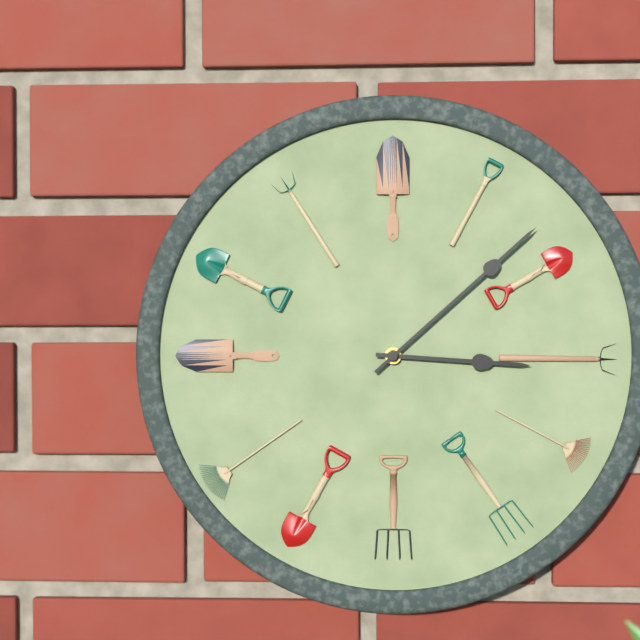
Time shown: 3:08
